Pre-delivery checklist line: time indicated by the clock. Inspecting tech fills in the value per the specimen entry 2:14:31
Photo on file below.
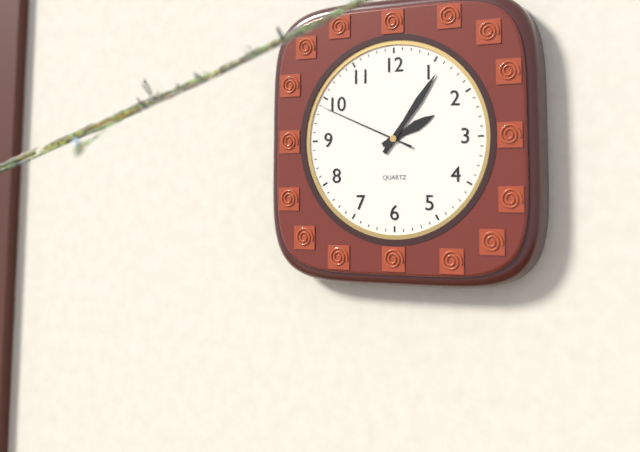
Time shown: 2:06:49
